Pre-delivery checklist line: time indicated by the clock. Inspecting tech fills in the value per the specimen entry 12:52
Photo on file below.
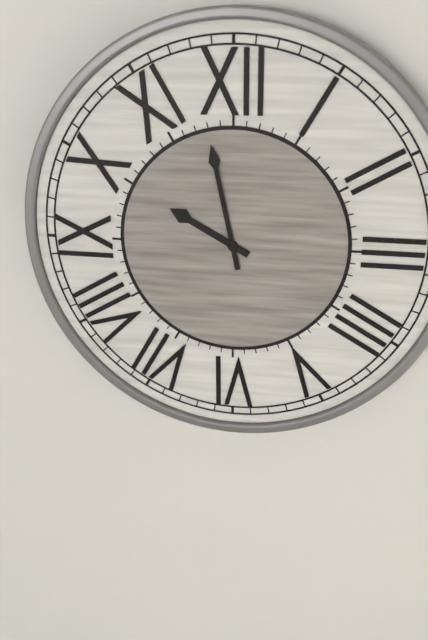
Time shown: 9:58
